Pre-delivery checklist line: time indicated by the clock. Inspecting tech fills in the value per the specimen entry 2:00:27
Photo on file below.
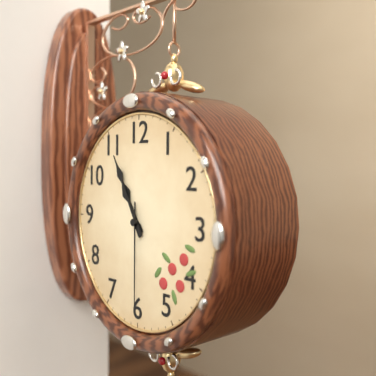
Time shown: 10:55:30
